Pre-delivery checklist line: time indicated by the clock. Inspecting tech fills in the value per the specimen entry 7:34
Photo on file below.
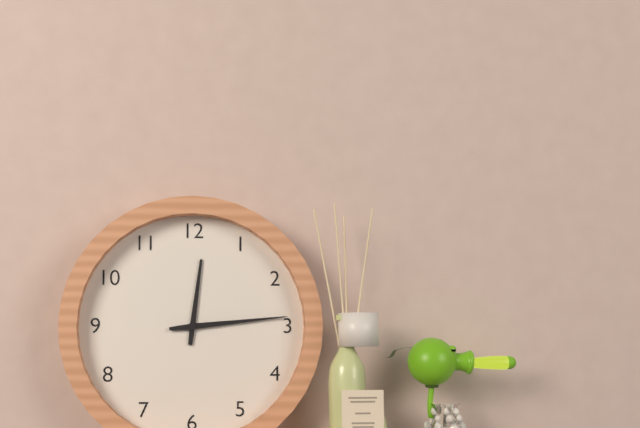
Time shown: 12:14
